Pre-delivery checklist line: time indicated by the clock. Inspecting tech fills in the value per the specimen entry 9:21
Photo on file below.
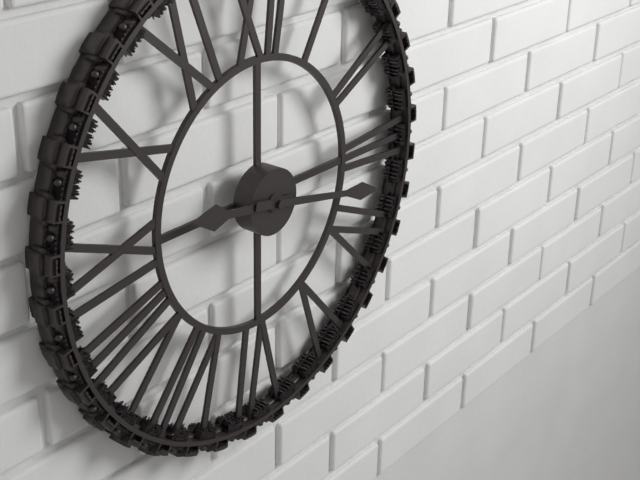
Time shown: 9:17
